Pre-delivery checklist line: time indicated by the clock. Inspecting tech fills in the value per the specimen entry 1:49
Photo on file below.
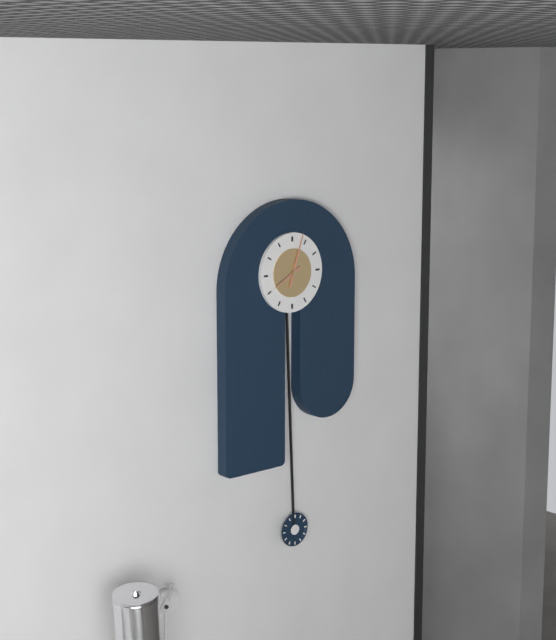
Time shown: 8:03
